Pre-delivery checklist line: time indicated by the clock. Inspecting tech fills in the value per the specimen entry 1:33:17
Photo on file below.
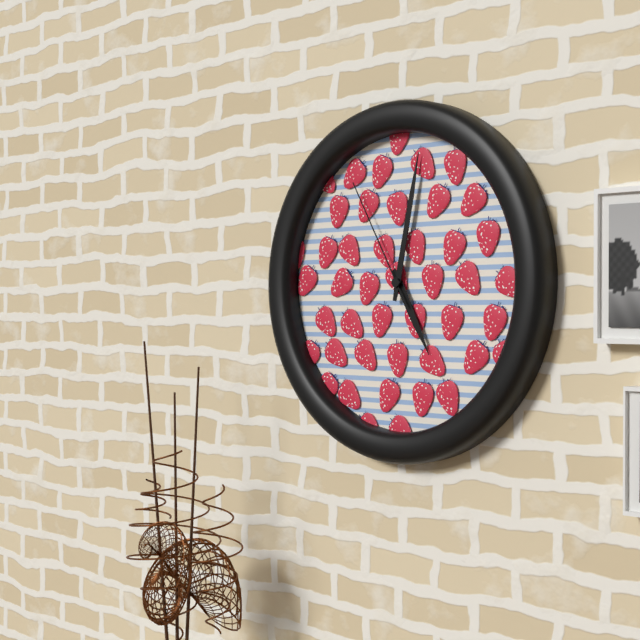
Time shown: 5:02:55
